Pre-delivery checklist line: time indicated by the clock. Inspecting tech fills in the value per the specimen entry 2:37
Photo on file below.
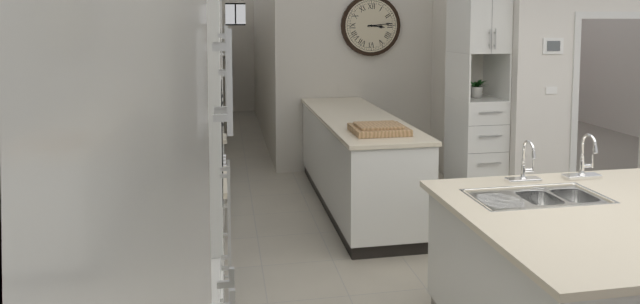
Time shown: 3:14
